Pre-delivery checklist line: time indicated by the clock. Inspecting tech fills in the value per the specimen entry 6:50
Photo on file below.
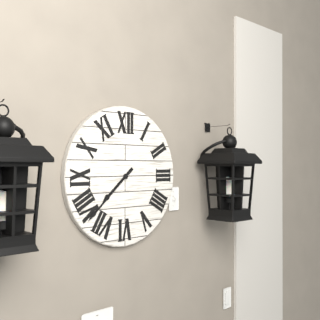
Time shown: 7:38
